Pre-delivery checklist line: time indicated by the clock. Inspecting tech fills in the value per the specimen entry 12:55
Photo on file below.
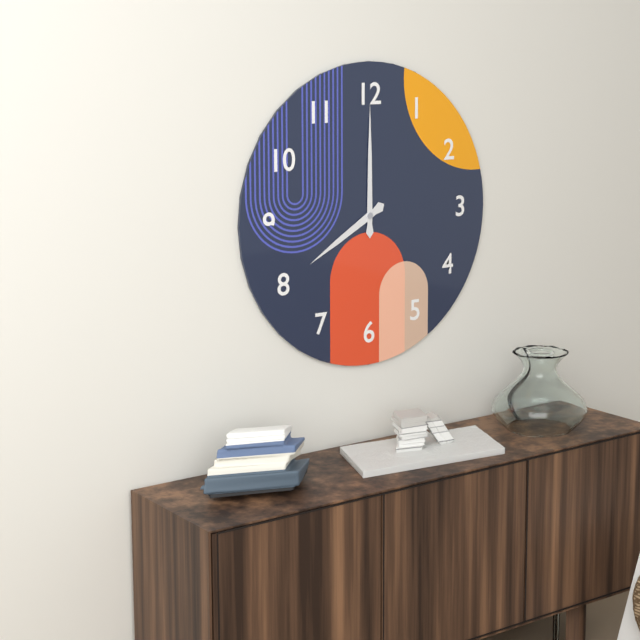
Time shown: 8:00
